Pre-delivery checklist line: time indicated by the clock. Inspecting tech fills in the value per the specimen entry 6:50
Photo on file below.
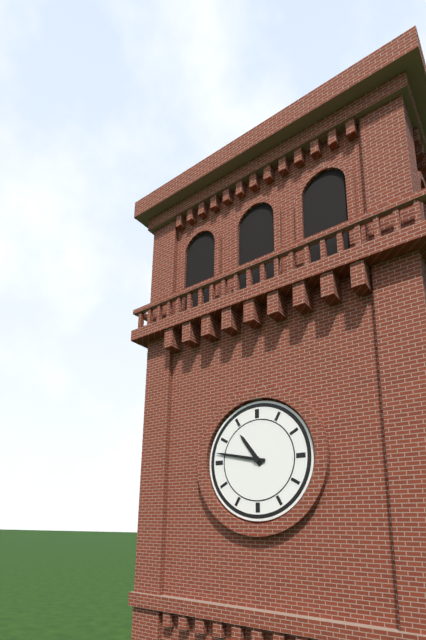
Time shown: 10:47
